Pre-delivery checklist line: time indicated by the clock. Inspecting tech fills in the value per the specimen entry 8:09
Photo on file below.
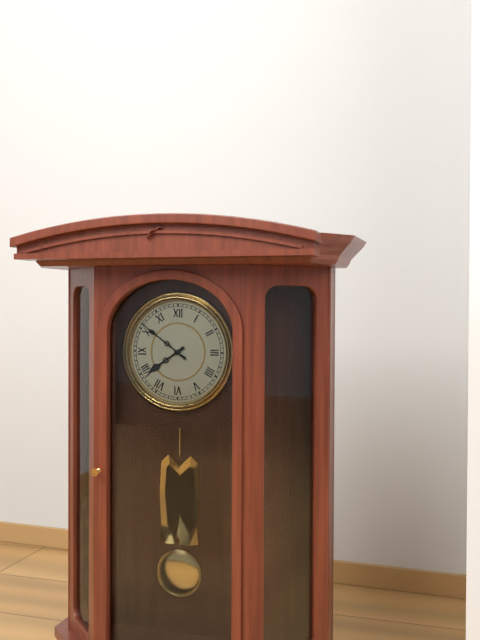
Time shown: 7:51
